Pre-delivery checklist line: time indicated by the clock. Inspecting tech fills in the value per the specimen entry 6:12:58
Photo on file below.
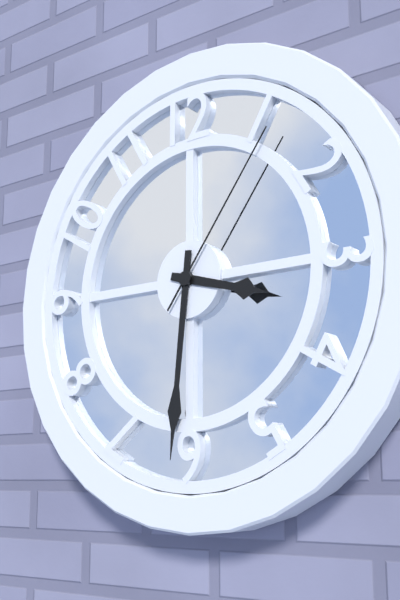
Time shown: 3:31:06
